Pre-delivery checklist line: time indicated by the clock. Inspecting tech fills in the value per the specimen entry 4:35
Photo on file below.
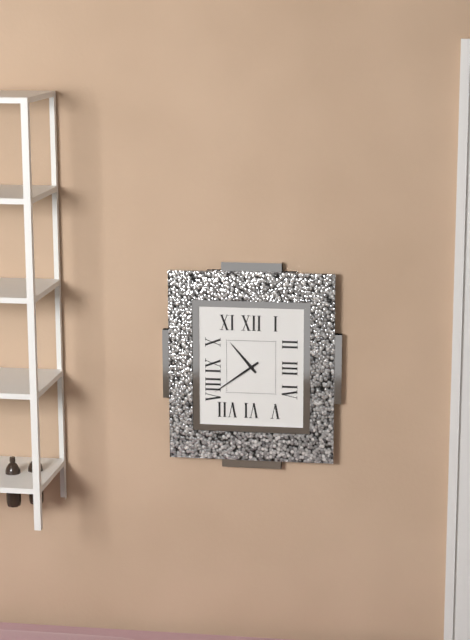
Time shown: 10:39
